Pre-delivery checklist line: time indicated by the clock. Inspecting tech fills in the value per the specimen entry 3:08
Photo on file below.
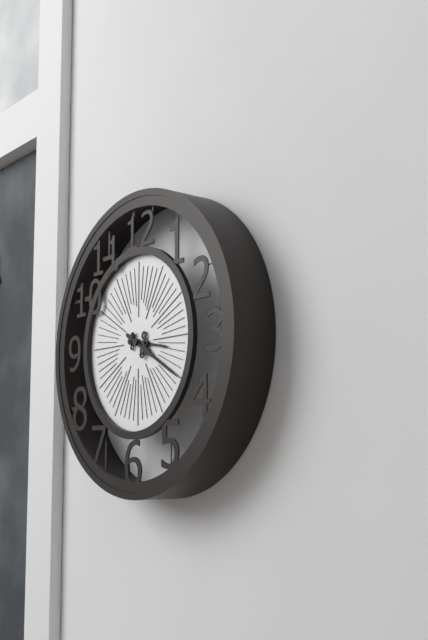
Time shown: 3:20
